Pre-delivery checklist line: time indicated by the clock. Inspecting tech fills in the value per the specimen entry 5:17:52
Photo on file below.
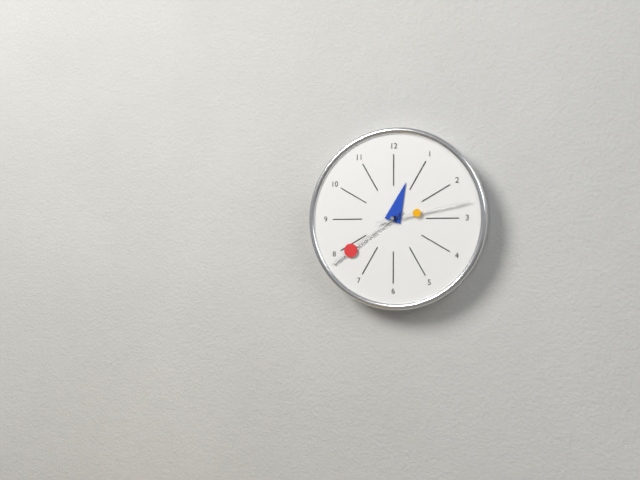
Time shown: 12:39:13
